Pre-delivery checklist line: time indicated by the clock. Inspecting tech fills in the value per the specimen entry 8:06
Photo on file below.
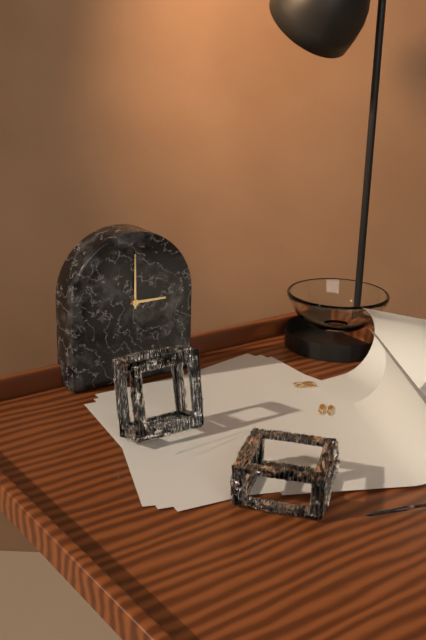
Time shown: 3:00
